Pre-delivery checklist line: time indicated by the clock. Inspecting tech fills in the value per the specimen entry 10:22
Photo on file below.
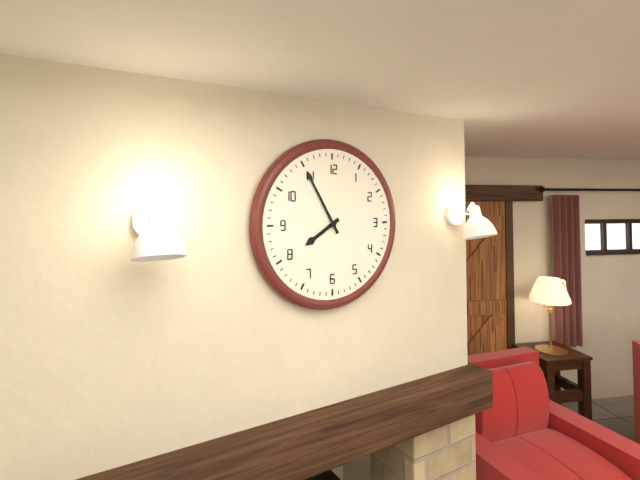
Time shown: 7:55
